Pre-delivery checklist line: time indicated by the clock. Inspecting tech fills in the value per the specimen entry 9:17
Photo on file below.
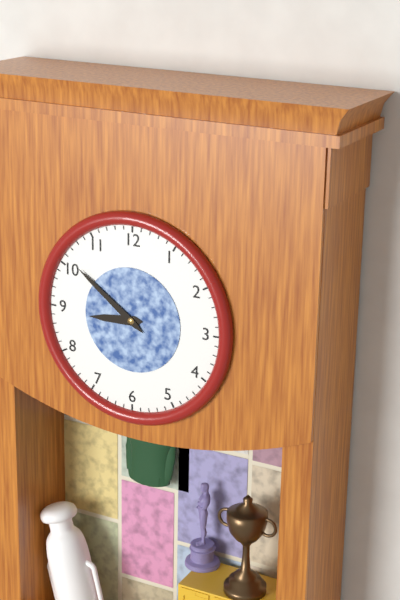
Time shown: 8:51
